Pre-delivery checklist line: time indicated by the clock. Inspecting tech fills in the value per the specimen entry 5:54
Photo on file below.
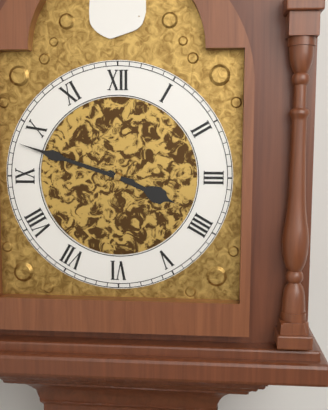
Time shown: 3:48
